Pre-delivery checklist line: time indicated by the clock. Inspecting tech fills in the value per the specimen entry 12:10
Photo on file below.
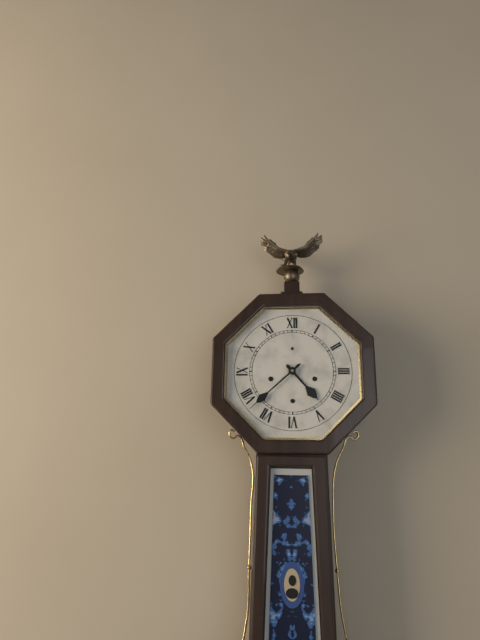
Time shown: 4:38
